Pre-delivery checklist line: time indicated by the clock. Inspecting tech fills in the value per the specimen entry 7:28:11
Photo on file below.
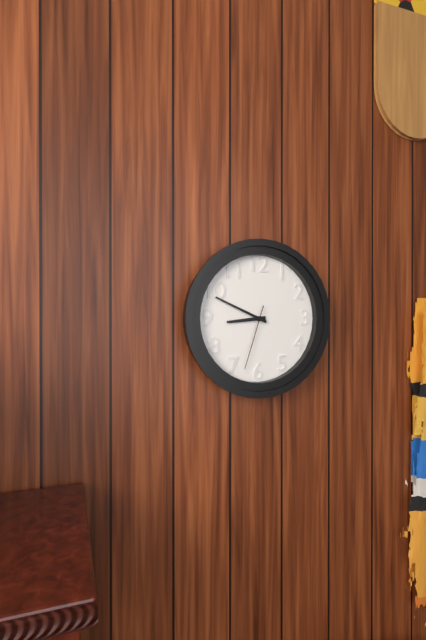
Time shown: 8:49:33
